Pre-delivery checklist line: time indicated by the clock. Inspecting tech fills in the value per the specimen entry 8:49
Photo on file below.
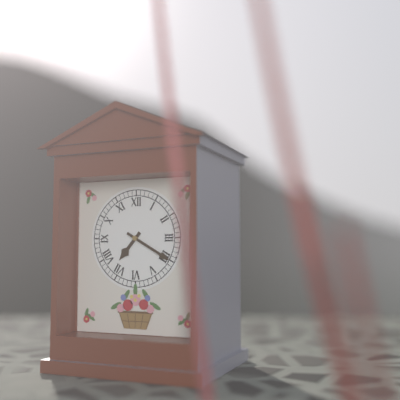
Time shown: 7:20
